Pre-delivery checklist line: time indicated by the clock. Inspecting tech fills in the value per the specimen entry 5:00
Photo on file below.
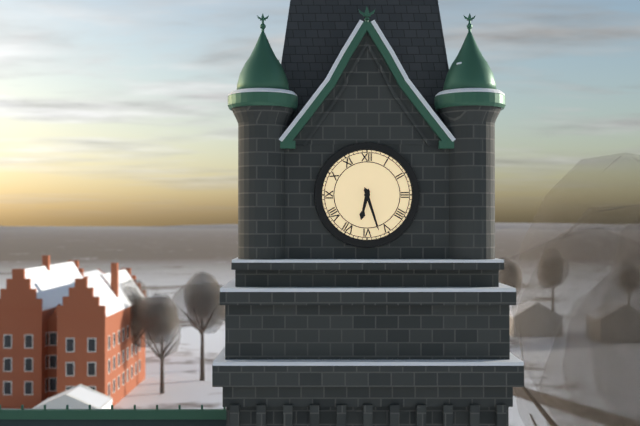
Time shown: 6:27
